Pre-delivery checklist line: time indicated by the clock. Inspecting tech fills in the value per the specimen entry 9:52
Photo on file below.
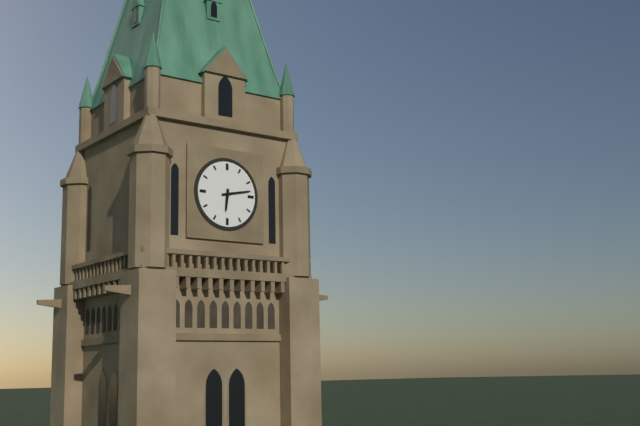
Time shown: 6:13
